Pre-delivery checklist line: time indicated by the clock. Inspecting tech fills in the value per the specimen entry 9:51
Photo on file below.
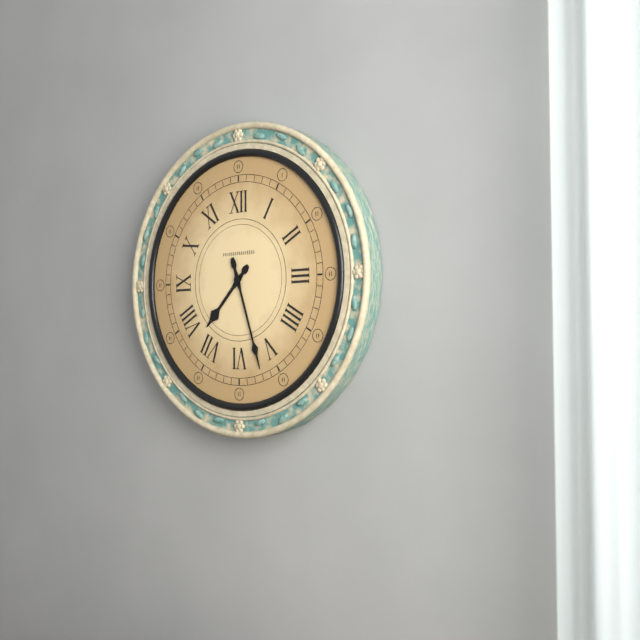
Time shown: 7:27
